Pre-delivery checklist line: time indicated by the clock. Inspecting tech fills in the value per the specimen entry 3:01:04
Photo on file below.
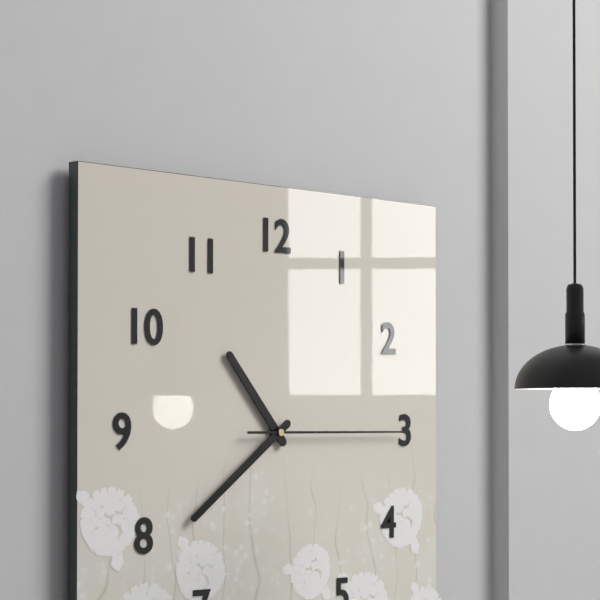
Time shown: 10:39:15
